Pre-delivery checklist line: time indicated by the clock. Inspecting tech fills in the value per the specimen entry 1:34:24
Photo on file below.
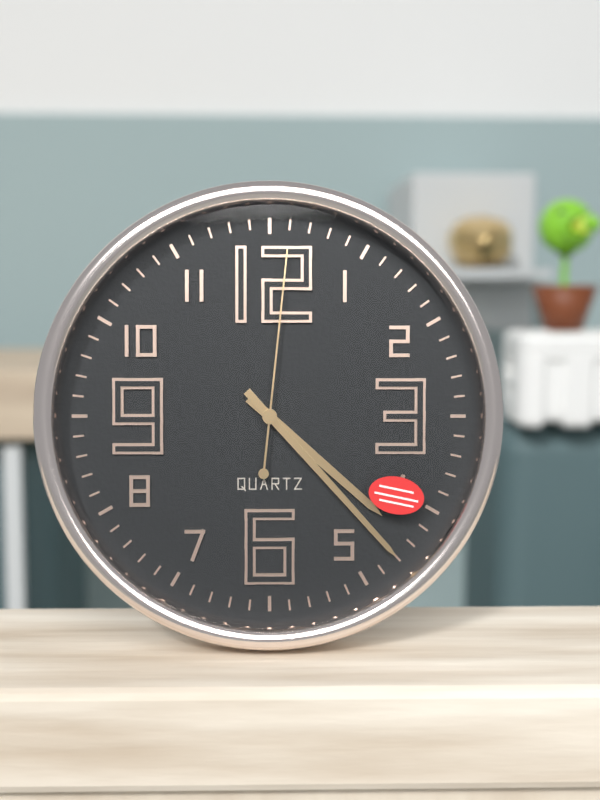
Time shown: 4:23:01
